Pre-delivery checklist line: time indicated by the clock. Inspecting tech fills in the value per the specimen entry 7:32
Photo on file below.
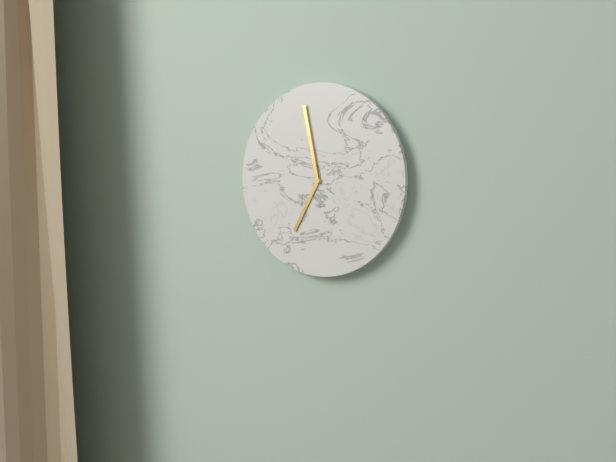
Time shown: 6:58
